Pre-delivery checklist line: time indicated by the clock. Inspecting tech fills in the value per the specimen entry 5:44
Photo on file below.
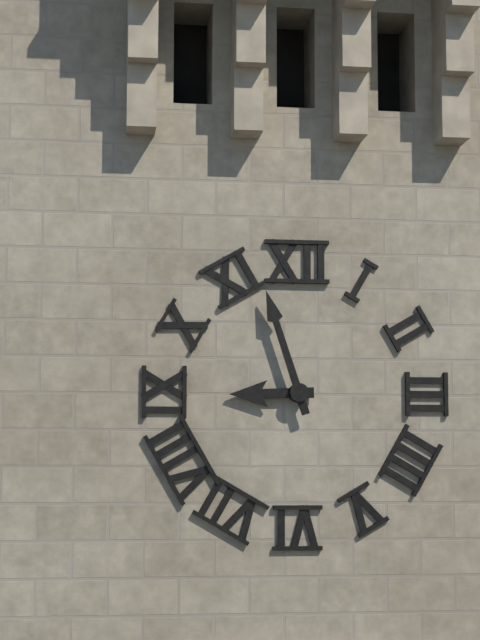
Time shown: 8:57
